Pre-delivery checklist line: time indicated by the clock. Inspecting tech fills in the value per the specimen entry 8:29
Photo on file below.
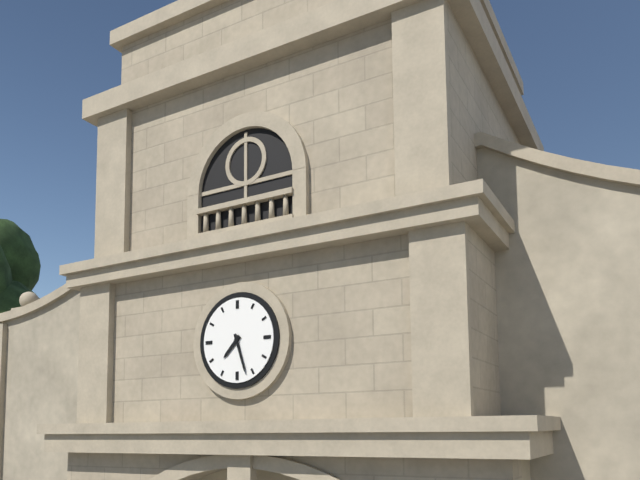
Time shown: 7:27
